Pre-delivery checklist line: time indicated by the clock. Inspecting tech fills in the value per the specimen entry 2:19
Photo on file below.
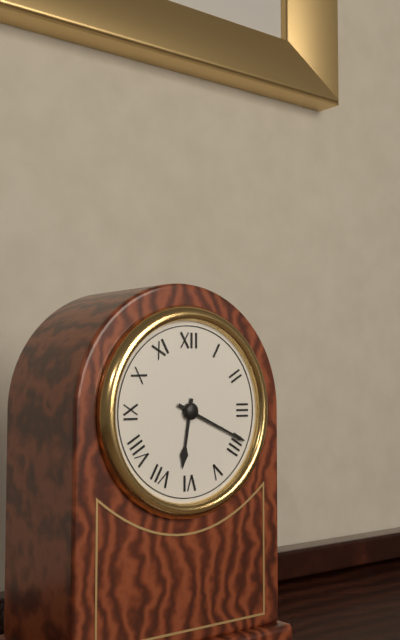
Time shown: 6:19
